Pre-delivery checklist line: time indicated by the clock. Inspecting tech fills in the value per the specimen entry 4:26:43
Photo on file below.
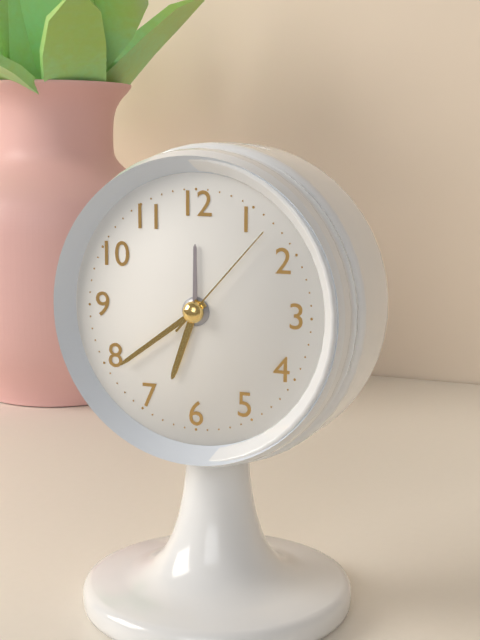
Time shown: 6:39:07
